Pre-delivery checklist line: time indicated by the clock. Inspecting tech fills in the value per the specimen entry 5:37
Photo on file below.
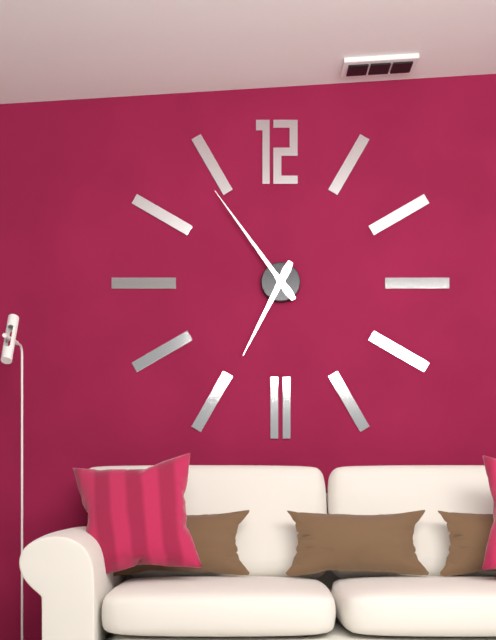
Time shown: 6:54
